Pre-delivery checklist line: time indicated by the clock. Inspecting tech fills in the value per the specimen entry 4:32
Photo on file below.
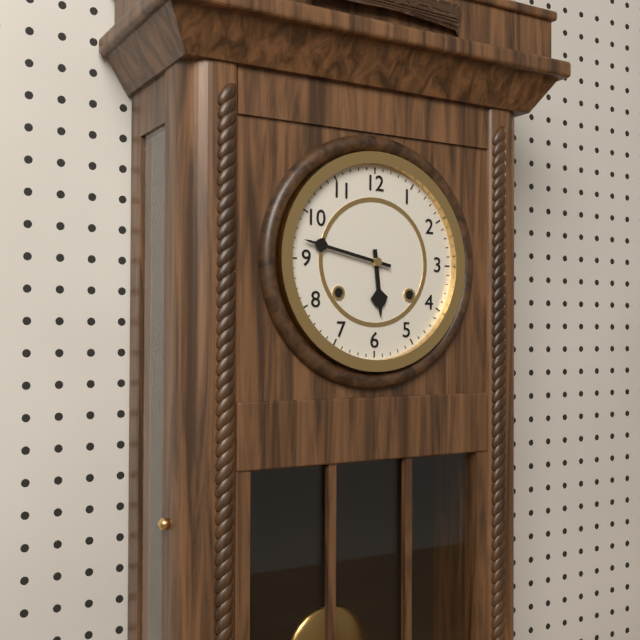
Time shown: 5:47
